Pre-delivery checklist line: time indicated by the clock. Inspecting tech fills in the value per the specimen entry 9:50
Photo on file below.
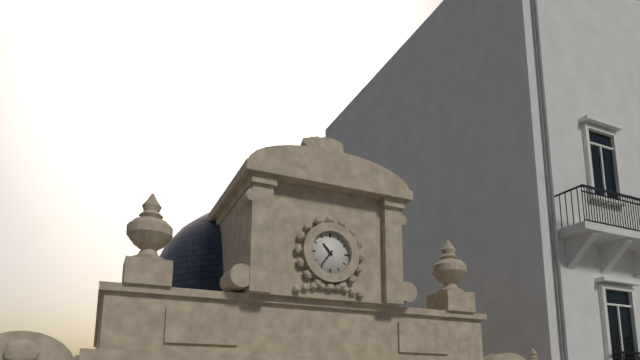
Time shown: 10:36
